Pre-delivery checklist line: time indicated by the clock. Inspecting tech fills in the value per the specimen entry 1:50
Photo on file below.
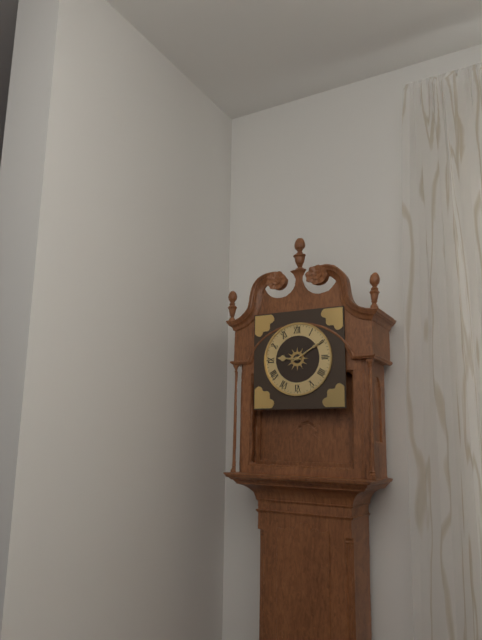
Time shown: 9:10
